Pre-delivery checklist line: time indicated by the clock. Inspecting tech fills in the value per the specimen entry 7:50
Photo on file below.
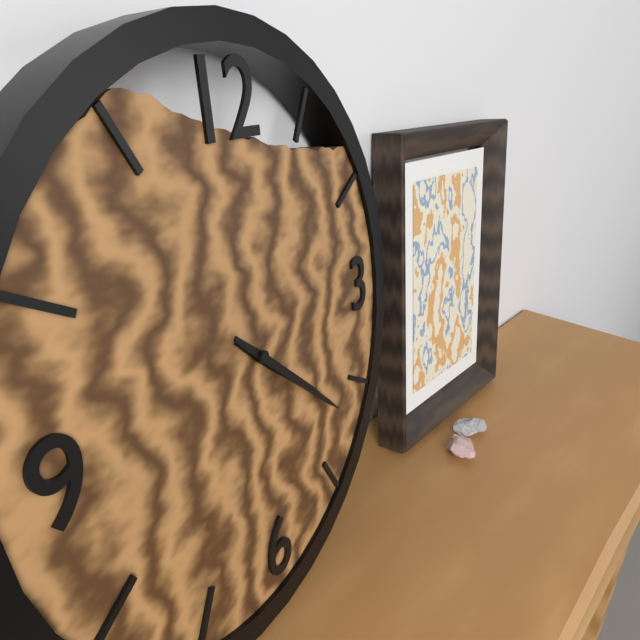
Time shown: 4:22
